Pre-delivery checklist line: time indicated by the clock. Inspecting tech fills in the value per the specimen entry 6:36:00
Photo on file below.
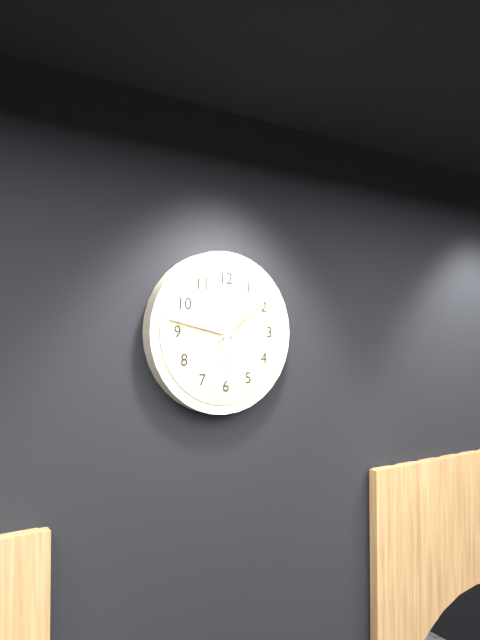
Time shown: 5:47:09
